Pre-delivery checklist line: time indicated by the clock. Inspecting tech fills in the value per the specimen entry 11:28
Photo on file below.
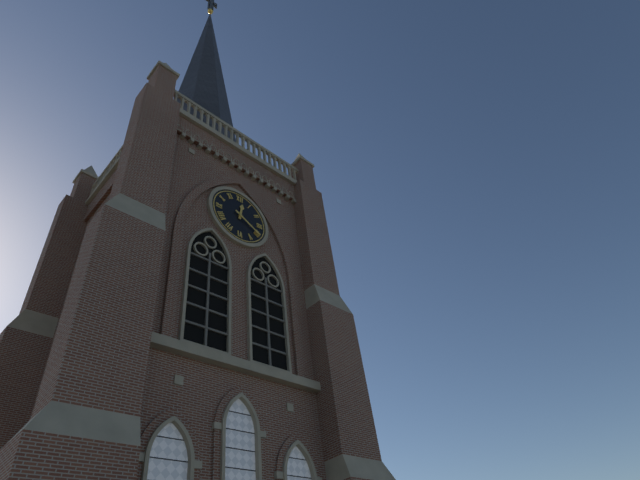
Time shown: 12:20
